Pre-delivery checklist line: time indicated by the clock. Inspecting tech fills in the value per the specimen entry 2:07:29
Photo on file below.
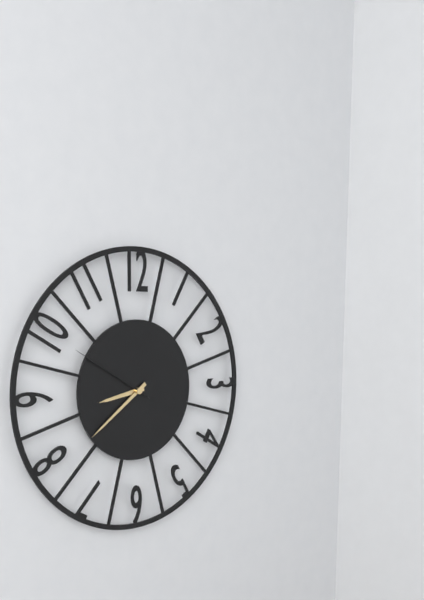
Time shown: 8:39:50
